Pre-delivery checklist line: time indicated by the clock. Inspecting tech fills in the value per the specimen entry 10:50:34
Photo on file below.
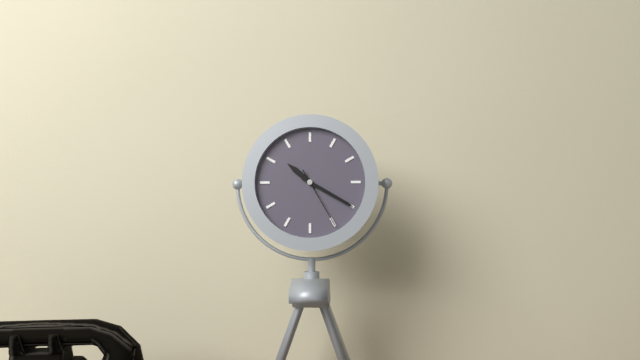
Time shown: 10:20:25
